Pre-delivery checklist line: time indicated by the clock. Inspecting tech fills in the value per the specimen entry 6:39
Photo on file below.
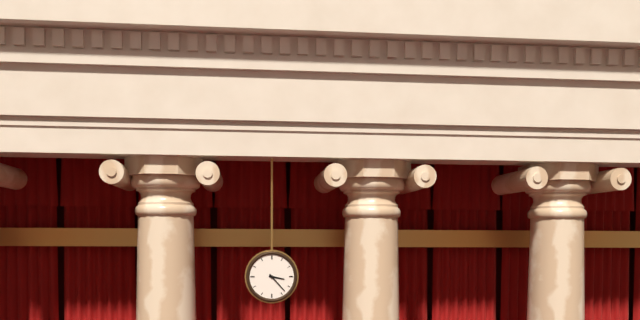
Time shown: 3:23
